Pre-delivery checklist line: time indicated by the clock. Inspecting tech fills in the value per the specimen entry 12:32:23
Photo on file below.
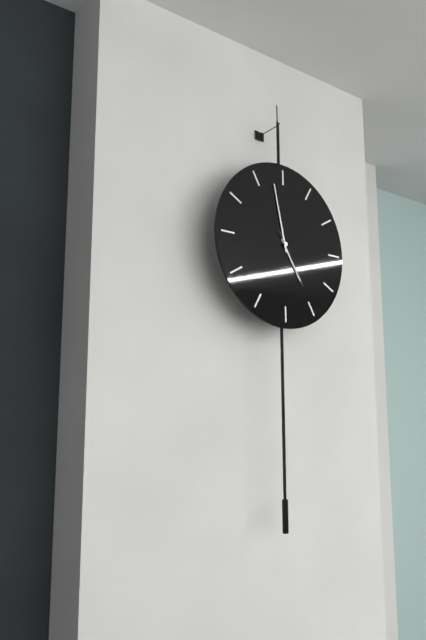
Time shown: 4:58:25
